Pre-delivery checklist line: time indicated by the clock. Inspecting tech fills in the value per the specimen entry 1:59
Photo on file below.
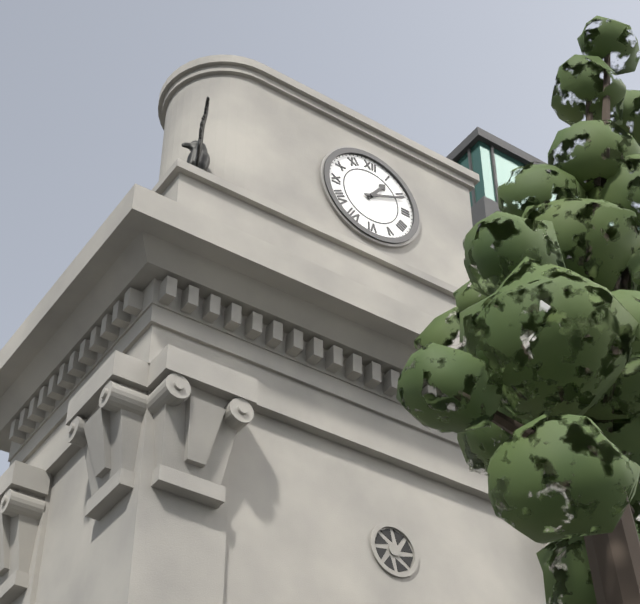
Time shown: 1:11
